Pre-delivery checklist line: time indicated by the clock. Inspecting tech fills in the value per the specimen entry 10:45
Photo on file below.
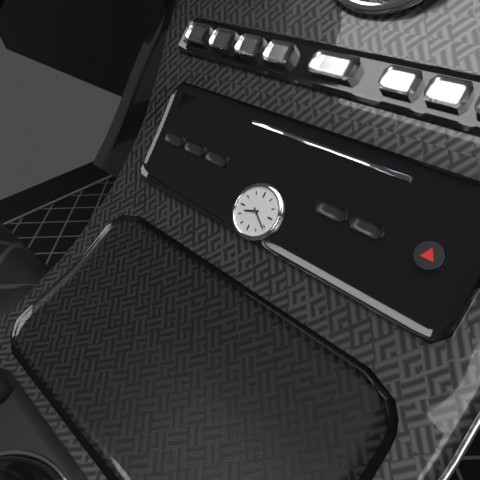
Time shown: 8:21
